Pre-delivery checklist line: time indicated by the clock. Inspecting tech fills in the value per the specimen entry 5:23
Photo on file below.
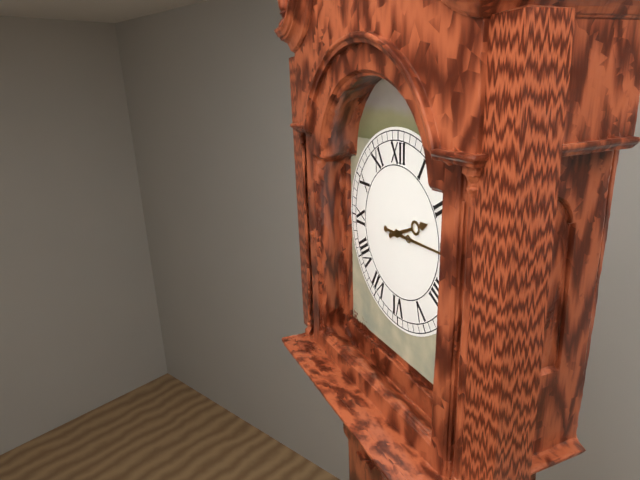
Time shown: 2:15
